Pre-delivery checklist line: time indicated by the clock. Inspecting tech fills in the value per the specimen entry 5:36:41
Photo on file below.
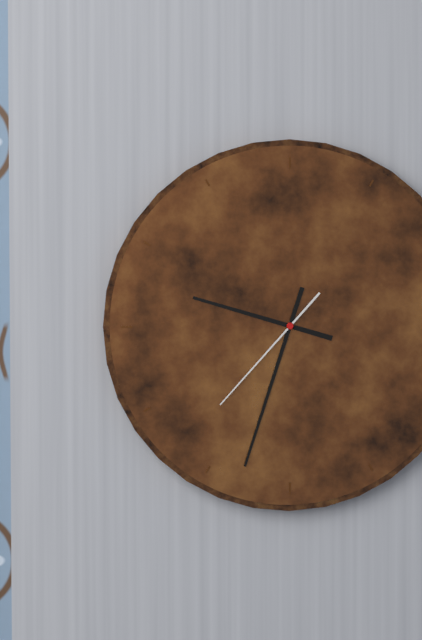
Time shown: 9:33:37
